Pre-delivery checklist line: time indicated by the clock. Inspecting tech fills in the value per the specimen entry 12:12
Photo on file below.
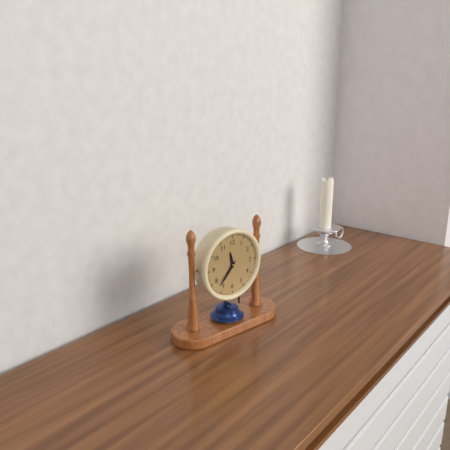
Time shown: 11:37
